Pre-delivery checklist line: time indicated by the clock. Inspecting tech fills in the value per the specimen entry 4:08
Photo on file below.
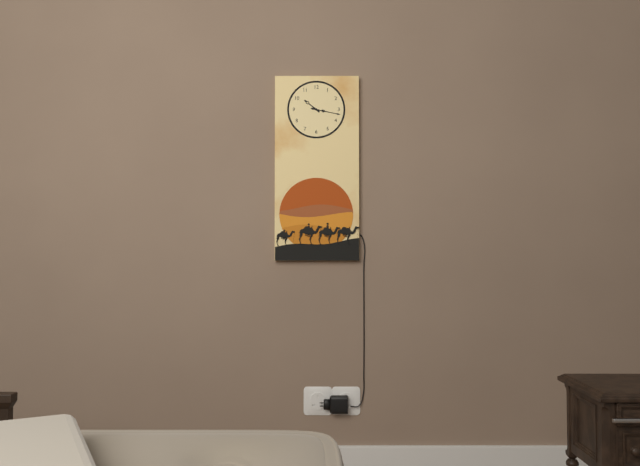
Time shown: 10:17
